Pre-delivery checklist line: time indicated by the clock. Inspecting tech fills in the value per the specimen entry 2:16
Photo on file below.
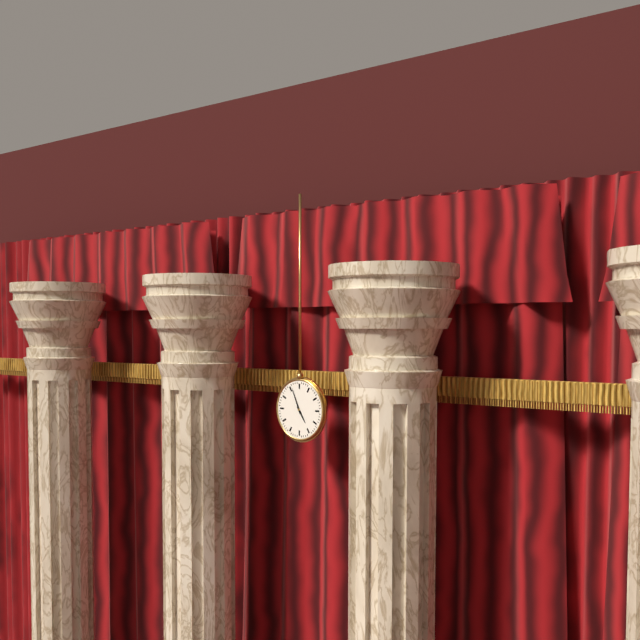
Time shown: 4:56
